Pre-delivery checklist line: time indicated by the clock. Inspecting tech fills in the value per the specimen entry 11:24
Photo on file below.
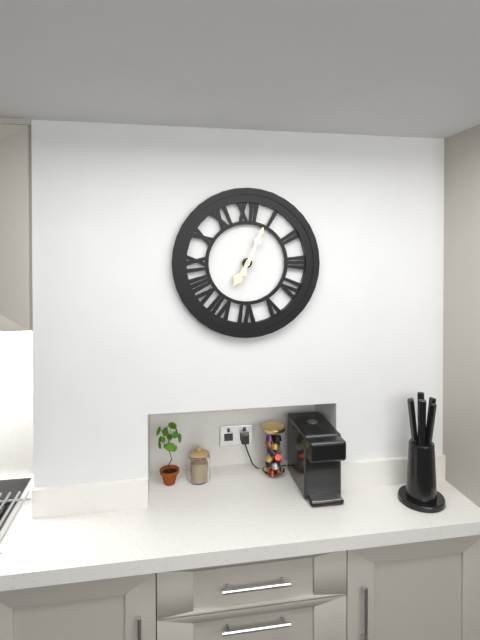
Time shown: 7:04
